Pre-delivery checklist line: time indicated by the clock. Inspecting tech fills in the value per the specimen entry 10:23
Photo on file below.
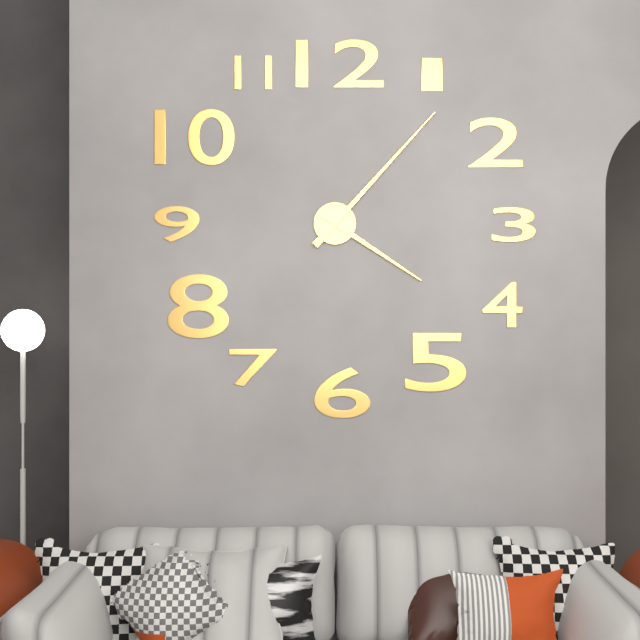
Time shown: 4:07
